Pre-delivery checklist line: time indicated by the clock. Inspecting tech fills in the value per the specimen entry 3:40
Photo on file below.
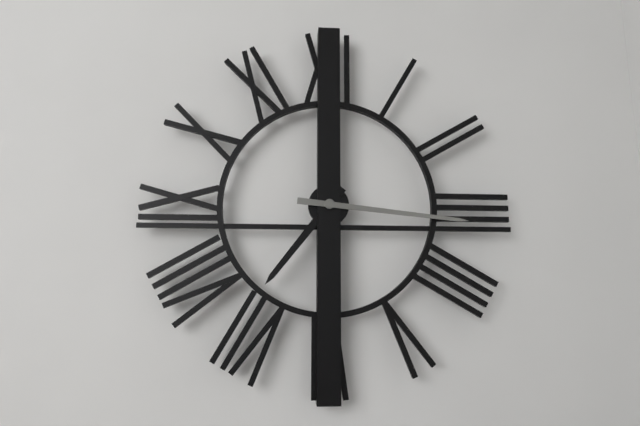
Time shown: 7:16
